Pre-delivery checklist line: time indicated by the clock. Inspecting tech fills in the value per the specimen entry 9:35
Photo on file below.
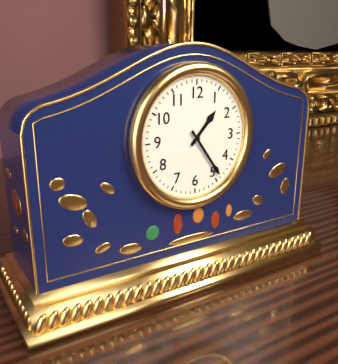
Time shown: 1:24
